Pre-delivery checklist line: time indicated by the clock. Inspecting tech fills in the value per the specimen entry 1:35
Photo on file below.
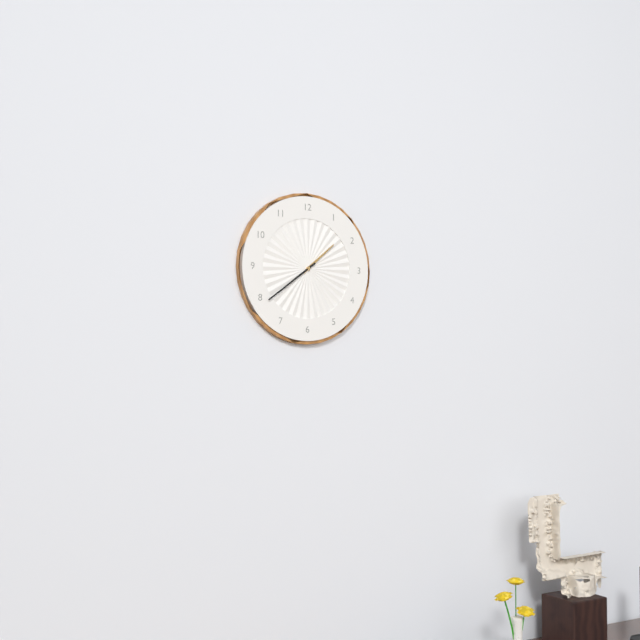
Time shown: 1:39
